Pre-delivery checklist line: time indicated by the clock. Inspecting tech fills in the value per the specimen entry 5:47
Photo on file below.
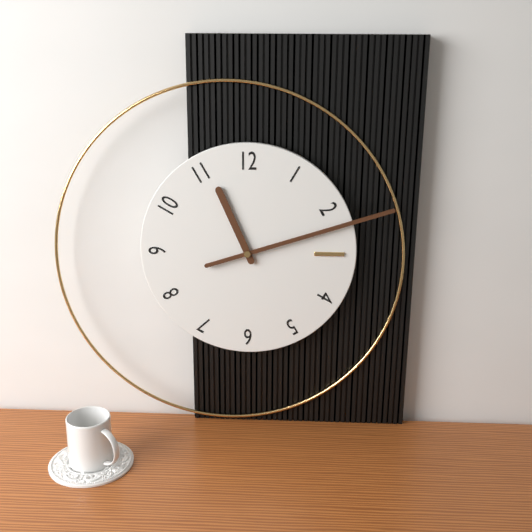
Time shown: 11:12
